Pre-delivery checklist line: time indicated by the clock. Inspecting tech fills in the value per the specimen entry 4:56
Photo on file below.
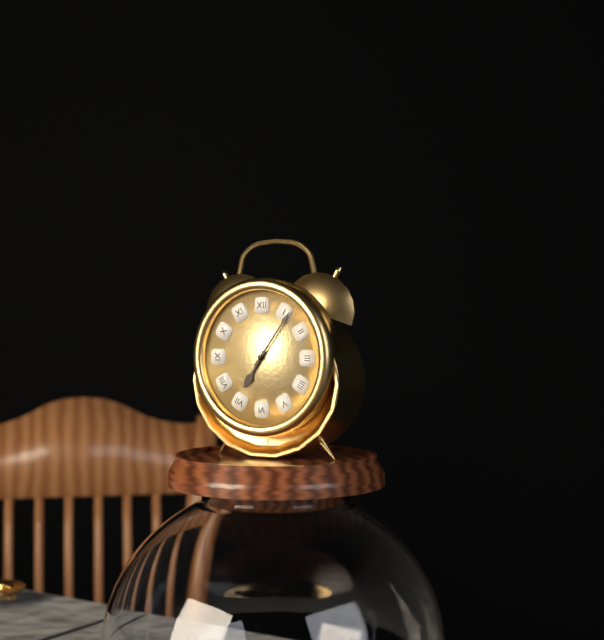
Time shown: 7:06
